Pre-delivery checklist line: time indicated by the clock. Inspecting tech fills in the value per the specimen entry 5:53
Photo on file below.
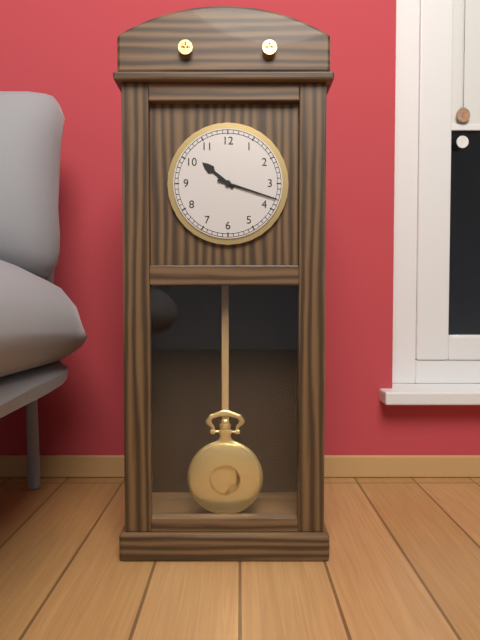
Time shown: 10:18
